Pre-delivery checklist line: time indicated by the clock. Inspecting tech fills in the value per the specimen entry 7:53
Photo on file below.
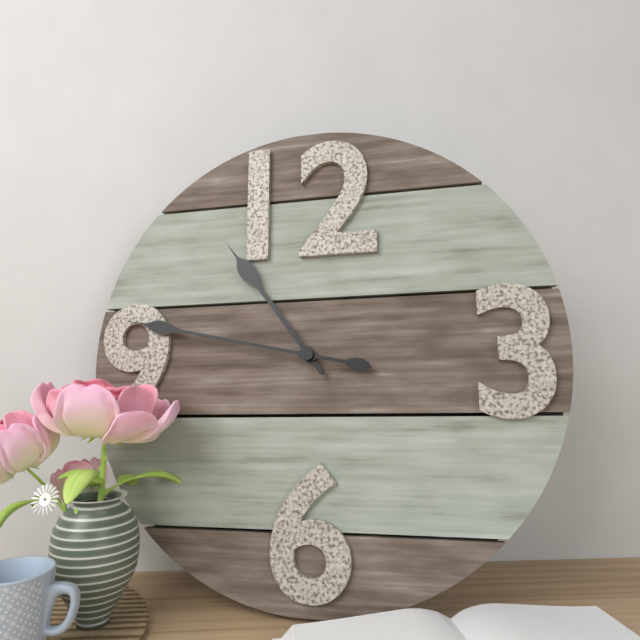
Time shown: 10:47
